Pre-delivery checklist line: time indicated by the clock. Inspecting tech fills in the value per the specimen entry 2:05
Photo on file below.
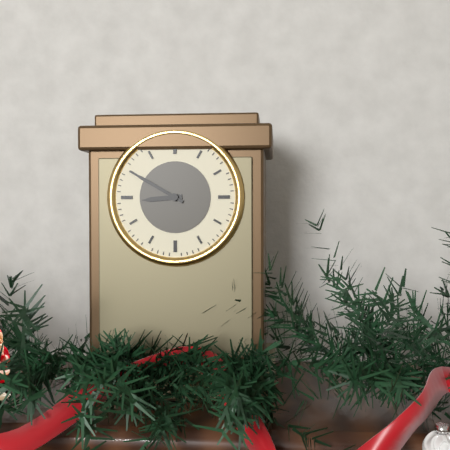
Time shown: 8:50
